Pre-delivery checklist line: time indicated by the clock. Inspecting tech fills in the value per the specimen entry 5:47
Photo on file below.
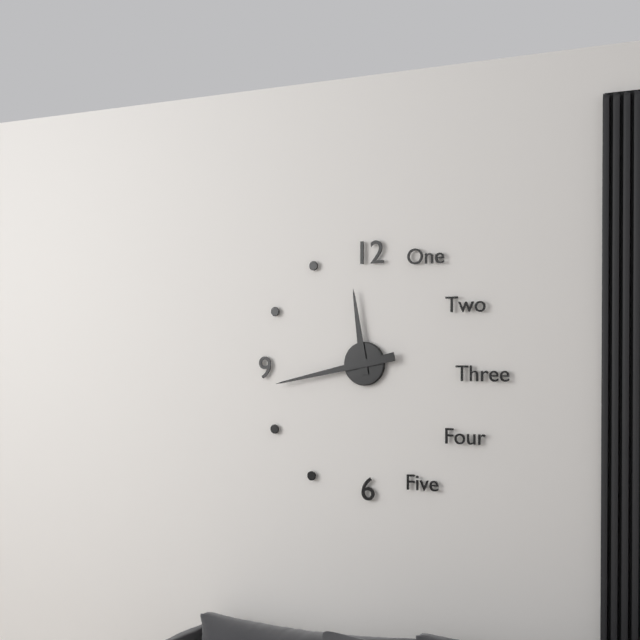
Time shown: 11:43
